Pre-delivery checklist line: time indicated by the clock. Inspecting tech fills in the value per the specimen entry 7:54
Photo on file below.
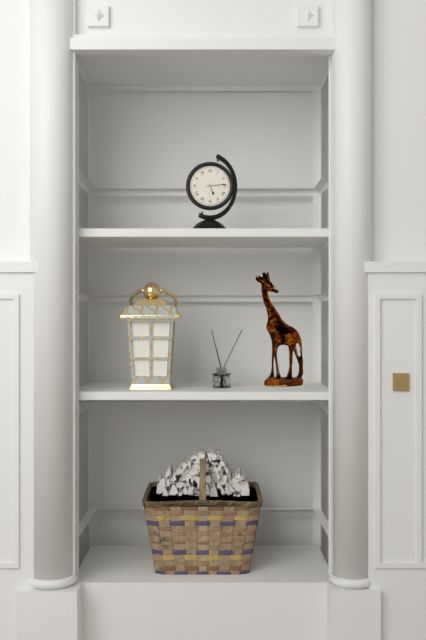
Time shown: 5:14
